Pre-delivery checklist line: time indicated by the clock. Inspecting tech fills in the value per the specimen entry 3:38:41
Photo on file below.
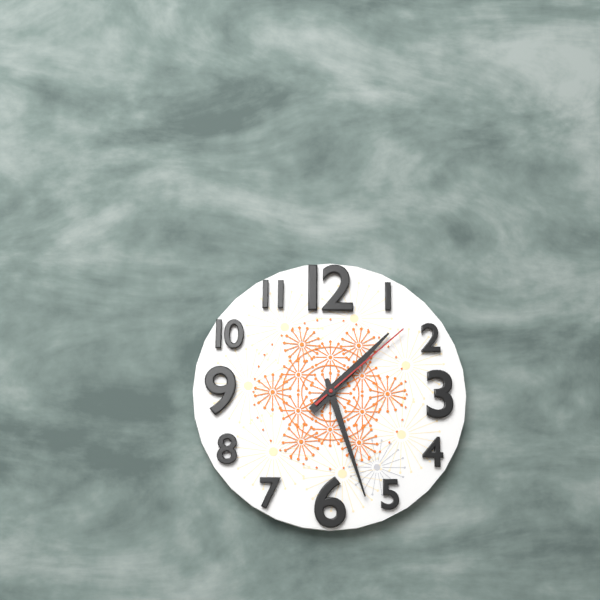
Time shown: 1:27:08
